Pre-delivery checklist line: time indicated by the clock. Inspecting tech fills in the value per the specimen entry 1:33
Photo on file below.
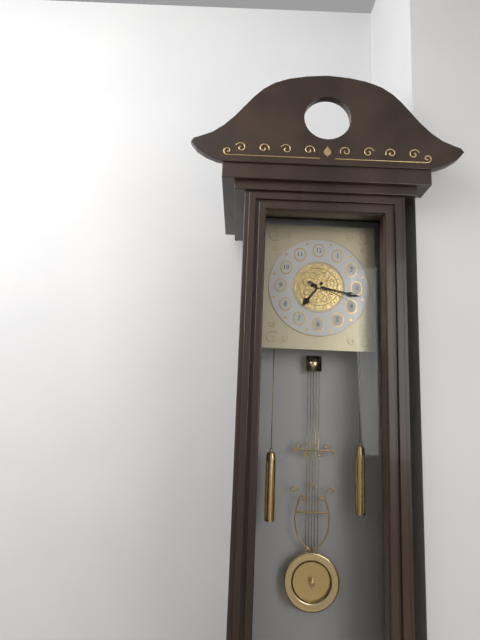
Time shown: 7:17
